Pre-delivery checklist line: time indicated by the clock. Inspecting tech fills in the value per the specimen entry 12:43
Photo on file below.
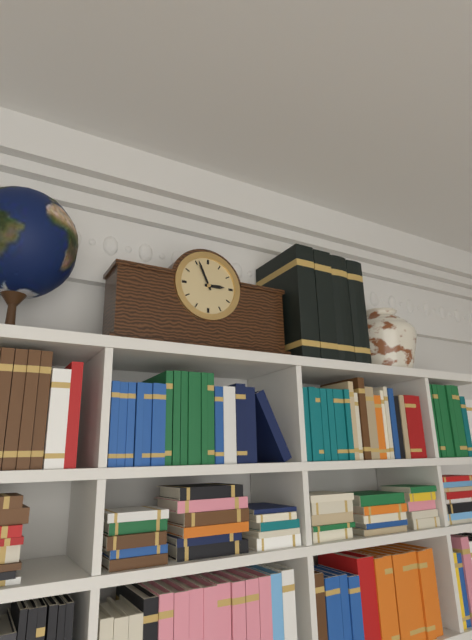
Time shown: 2:56
